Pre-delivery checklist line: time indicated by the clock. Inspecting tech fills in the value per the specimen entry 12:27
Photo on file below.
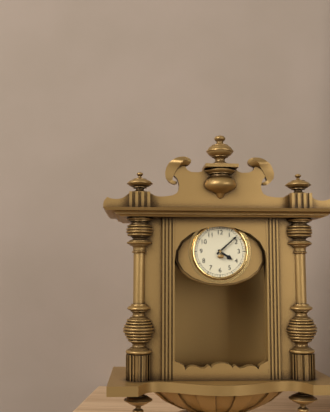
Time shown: 4:08
